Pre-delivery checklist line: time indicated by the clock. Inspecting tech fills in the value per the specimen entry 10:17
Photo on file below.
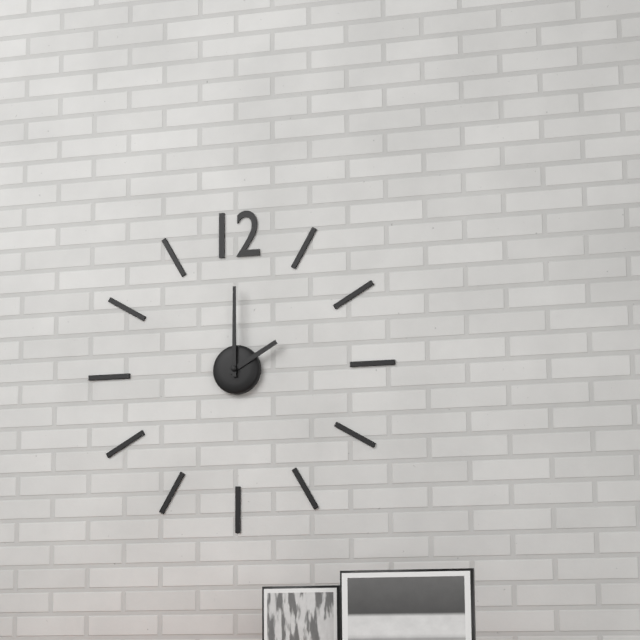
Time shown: 2:00
